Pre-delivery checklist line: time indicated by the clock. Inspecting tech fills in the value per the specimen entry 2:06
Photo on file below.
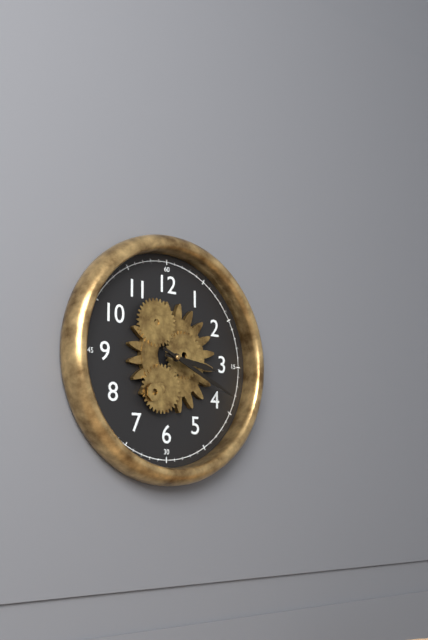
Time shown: 3:19
